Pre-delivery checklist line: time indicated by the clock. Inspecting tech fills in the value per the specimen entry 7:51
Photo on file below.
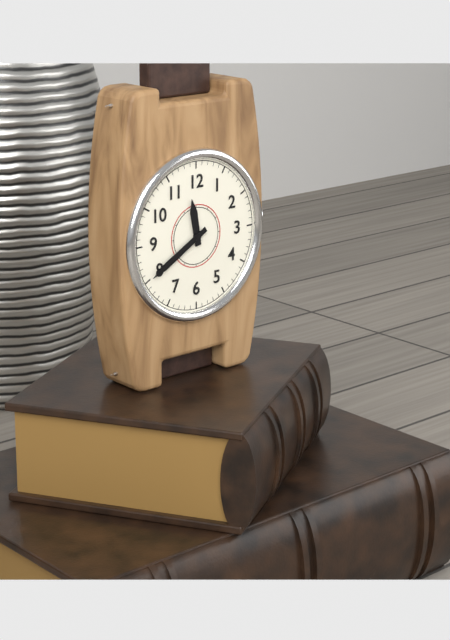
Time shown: 11:40
